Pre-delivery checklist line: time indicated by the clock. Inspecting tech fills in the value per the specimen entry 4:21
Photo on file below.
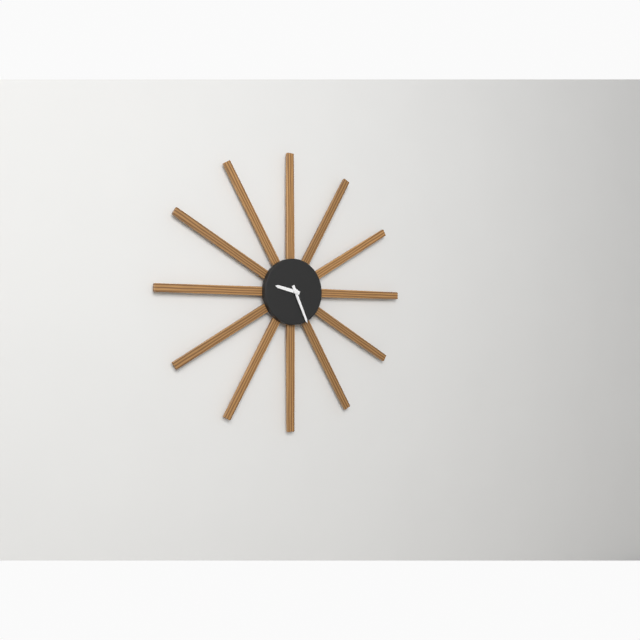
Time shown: 9:26
